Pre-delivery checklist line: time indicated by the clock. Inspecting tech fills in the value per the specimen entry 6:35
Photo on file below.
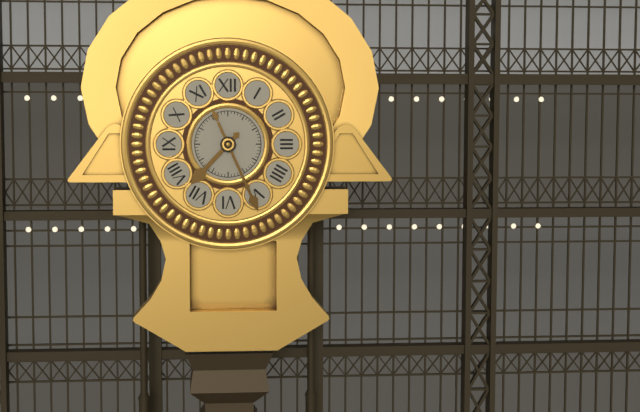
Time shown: 7:26
